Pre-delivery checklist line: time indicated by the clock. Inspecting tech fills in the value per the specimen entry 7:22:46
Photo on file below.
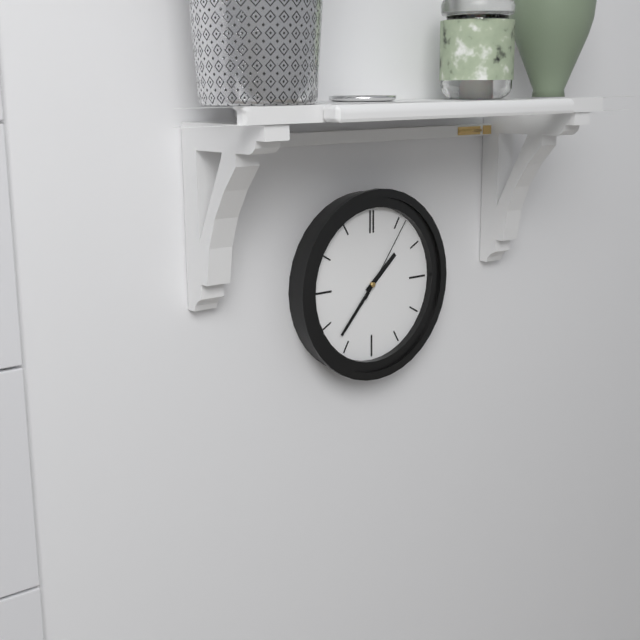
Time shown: 1:37:06
